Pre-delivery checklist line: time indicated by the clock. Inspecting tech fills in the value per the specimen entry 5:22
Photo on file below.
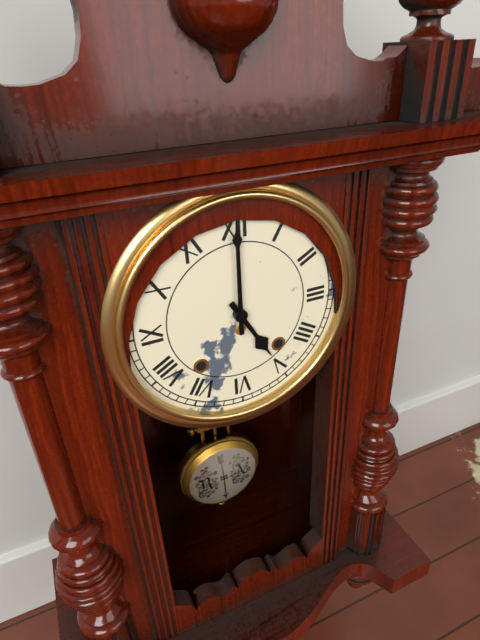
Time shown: 5:00
